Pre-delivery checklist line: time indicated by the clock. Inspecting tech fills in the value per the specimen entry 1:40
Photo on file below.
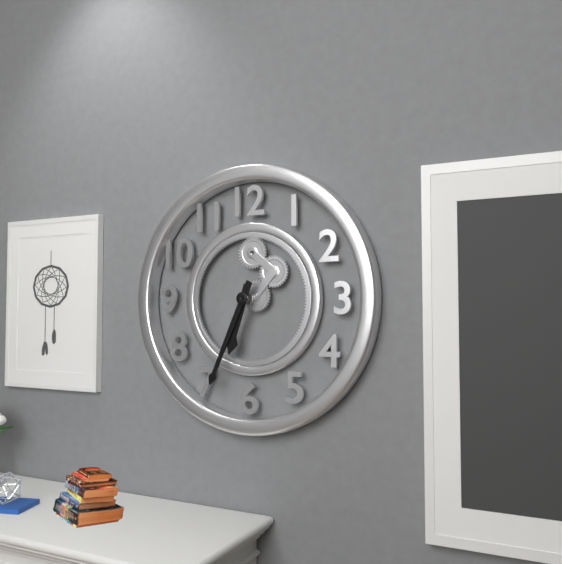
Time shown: 6:34
